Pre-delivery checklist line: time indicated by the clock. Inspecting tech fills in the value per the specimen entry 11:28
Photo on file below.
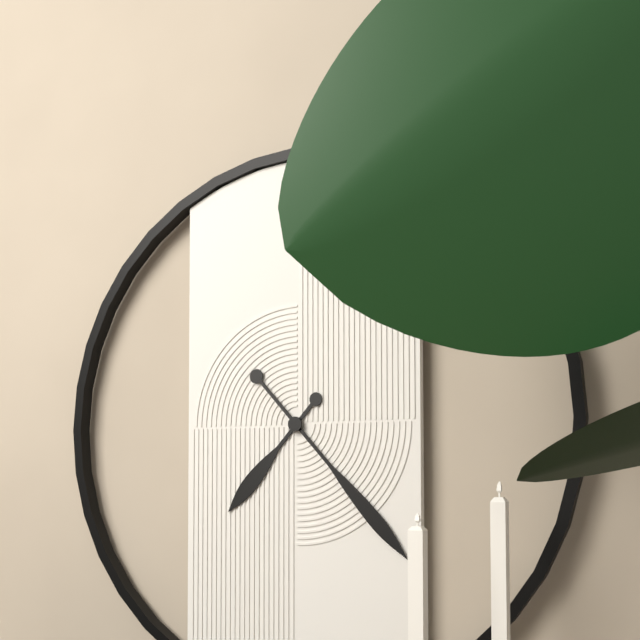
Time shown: 7:23
